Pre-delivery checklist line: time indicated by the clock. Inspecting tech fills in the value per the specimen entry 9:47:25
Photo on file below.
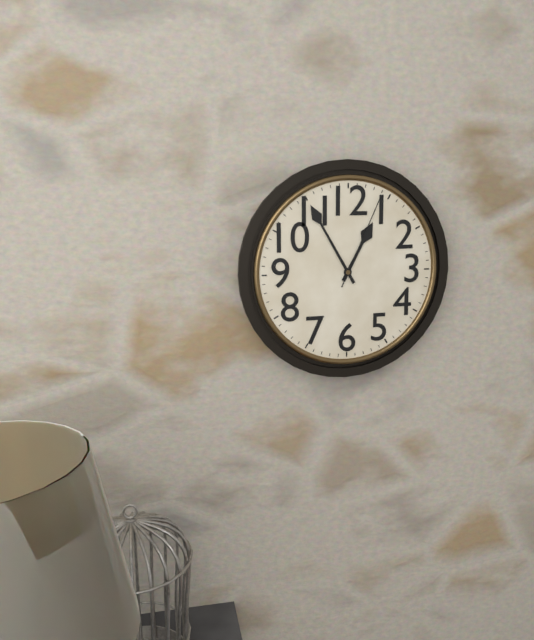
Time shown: 12:55:04
